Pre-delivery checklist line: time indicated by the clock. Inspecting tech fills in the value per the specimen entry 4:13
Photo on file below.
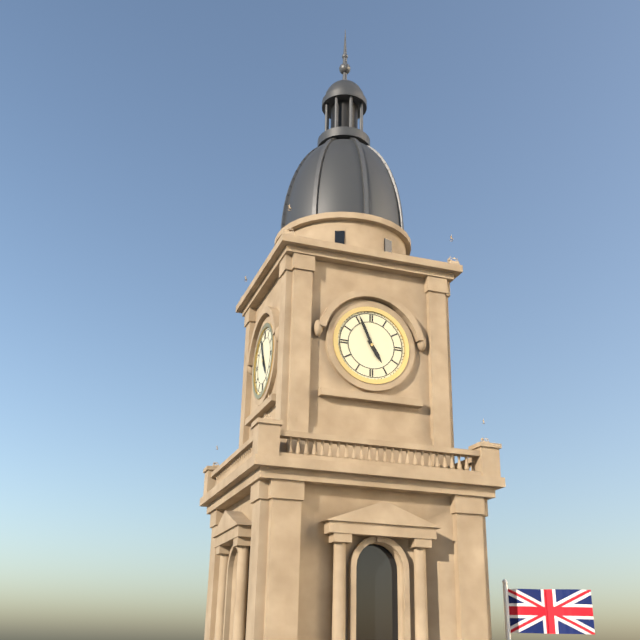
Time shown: 4:56
